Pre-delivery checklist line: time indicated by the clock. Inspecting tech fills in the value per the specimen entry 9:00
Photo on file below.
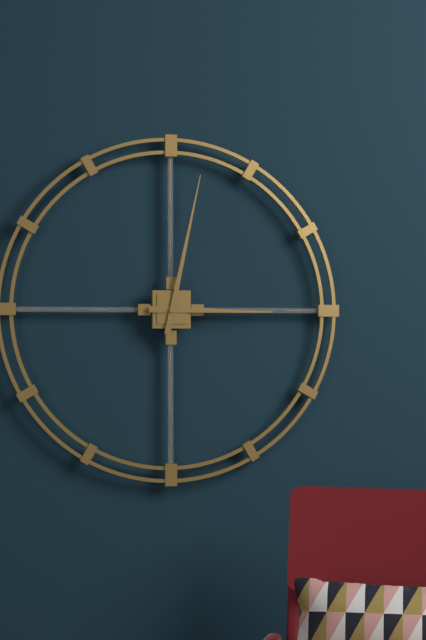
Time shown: 3:02
